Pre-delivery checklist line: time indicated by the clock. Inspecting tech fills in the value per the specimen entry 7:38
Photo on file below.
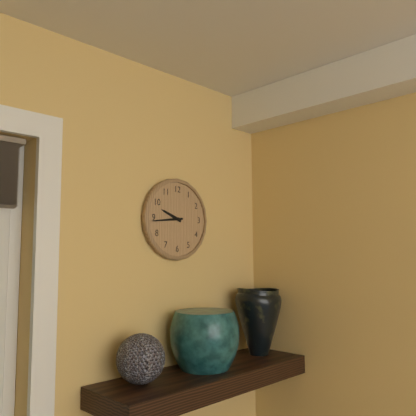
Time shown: 9:44
